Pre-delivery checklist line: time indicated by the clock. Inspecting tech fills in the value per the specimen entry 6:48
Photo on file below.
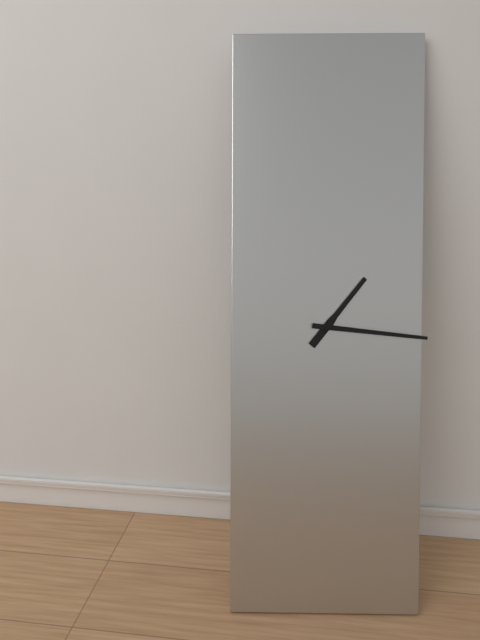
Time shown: 1:16
